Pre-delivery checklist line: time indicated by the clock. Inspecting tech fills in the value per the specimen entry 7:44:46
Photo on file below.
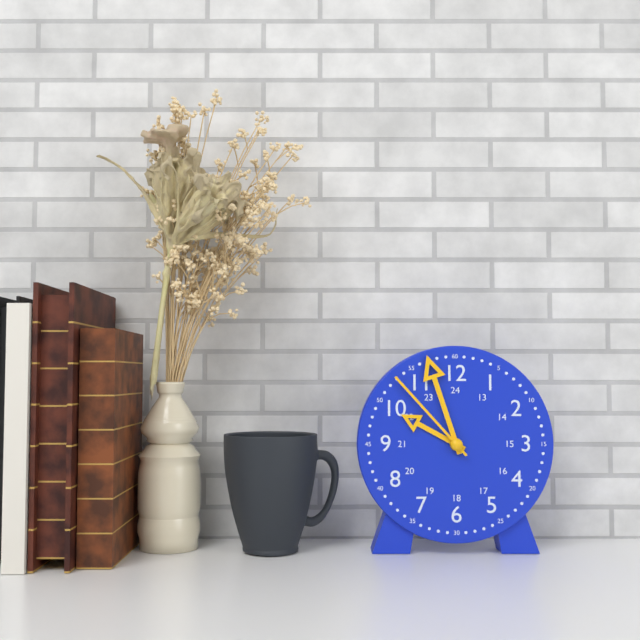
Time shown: 9:57:53
